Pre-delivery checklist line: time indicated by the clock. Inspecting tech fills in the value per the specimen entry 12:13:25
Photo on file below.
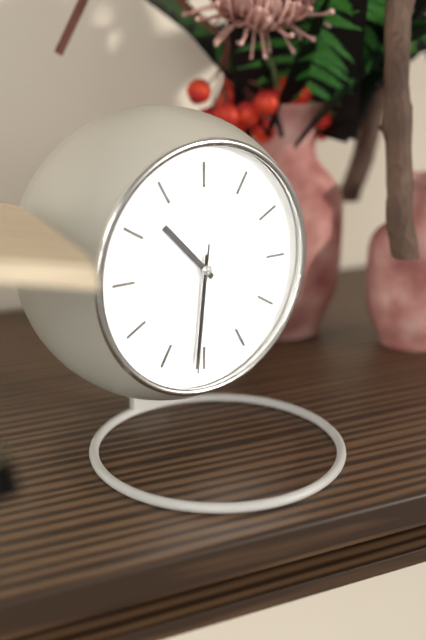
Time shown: 10:31:31
